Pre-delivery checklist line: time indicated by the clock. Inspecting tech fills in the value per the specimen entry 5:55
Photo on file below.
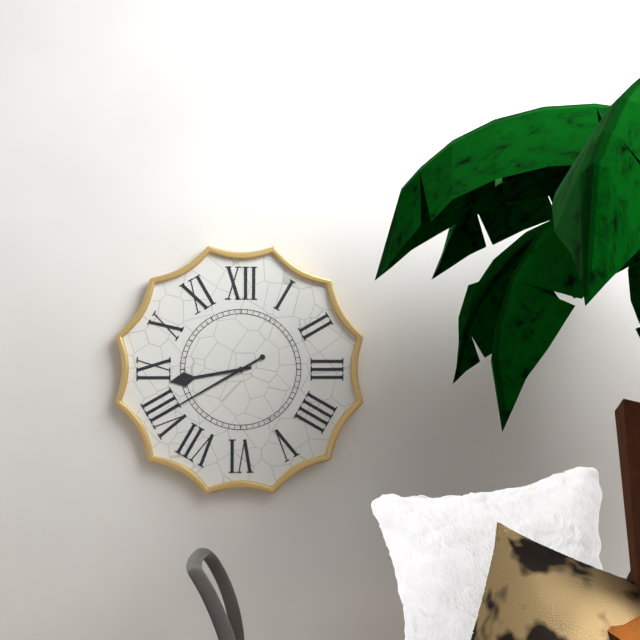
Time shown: 8:40
